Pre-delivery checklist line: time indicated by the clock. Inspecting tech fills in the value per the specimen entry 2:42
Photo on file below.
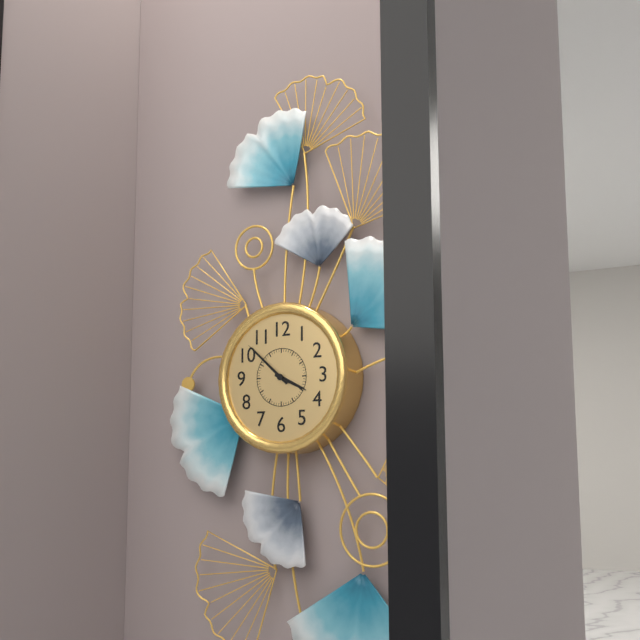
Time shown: 3:52
